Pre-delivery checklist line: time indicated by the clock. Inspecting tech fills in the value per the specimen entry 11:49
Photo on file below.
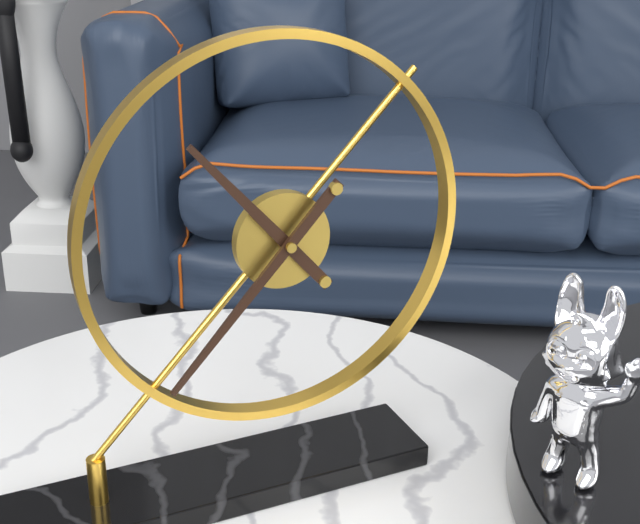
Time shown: 10:37
